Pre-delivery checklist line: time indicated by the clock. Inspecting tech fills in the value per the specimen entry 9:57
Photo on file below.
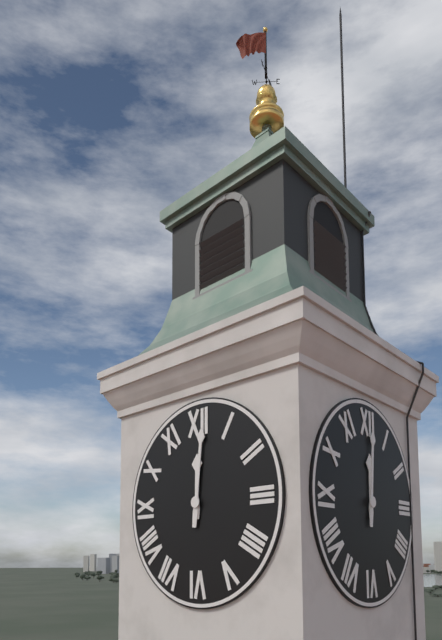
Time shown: 12:01
